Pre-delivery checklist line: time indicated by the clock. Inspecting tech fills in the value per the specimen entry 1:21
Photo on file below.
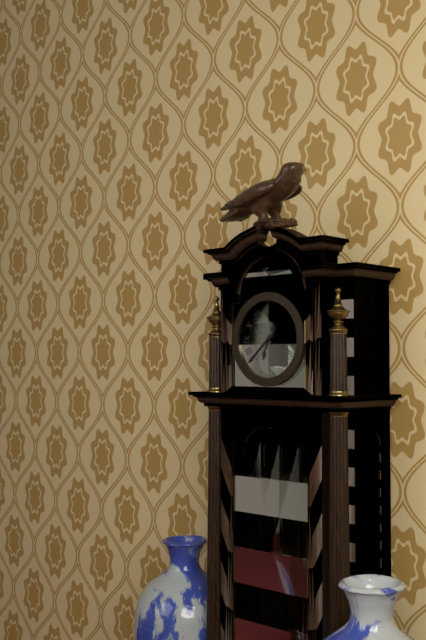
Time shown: 6:38
